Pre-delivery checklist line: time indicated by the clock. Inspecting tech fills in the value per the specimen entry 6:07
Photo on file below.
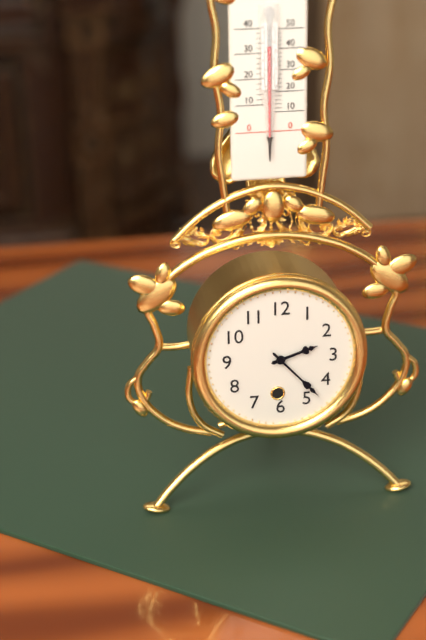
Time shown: 2:23
